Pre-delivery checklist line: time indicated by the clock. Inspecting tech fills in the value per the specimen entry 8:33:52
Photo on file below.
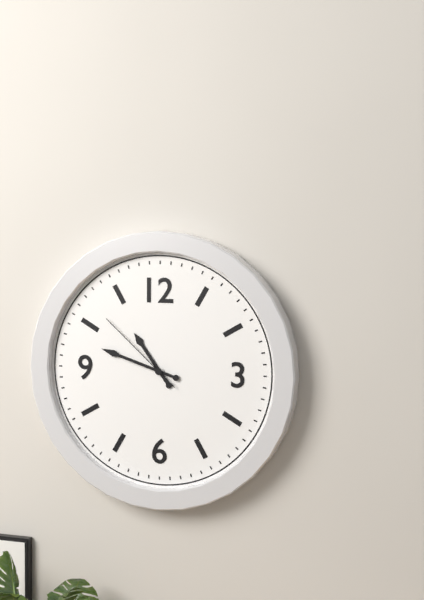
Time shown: 10:48:52
